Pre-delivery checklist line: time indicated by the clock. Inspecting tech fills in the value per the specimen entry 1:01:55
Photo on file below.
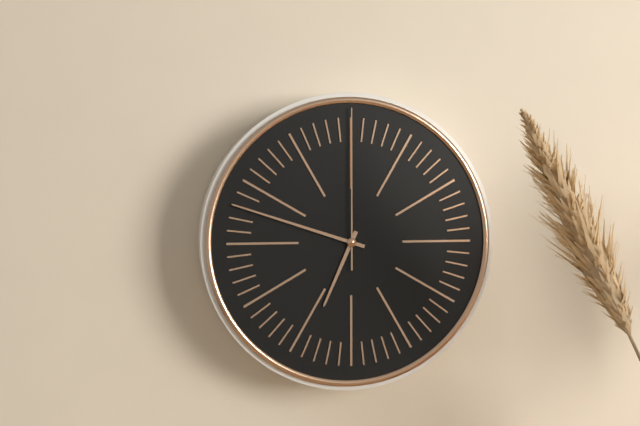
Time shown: 6:48:00
